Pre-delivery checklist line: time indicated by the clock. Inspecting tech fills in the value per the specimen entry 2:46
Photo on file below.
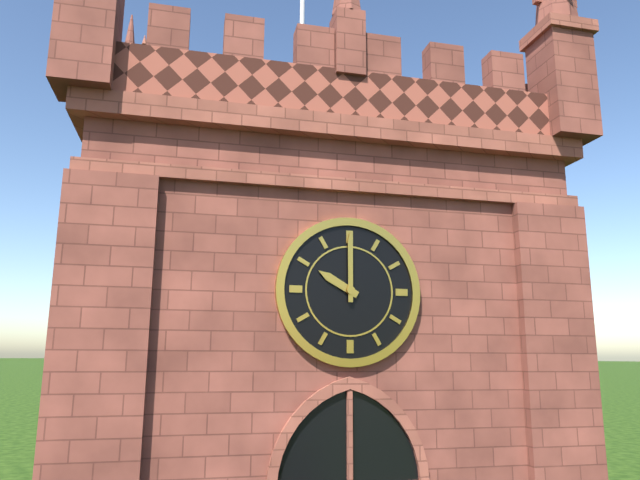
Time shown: 10:00
